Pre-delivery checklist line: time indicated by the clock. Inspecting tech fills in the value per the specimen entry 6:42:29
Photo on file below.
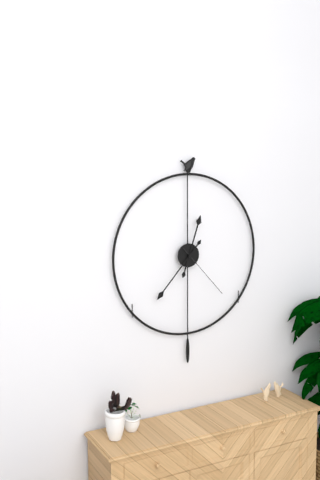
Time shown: 12:37:23
